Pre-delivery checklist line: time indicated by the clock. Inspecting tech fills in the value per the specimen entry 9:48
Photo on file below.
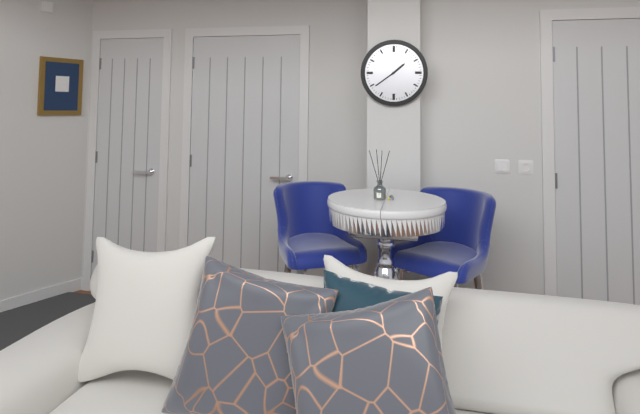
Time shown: 1:39
